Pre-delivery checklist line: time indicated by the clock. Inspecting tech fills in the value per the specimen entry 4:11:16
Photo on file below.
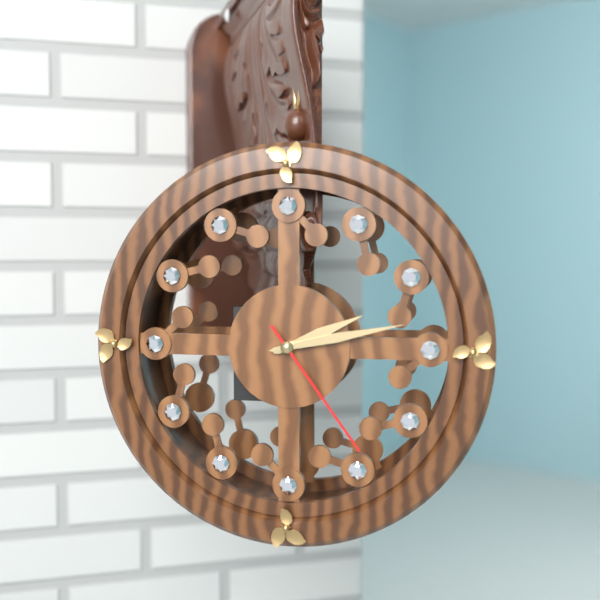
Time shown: 2:13:24
